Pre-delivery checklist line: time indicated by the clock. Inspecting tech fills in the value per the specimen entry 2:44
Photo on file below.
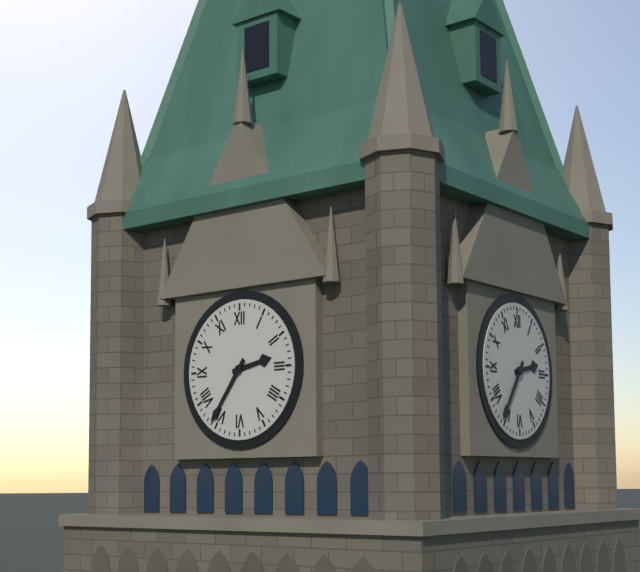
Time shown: 2:36
